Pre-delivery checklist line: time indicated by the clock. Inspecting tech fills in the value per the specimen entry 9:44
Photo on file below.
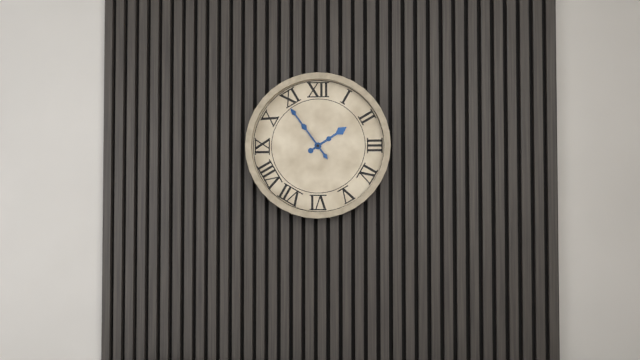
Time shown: 1:54
